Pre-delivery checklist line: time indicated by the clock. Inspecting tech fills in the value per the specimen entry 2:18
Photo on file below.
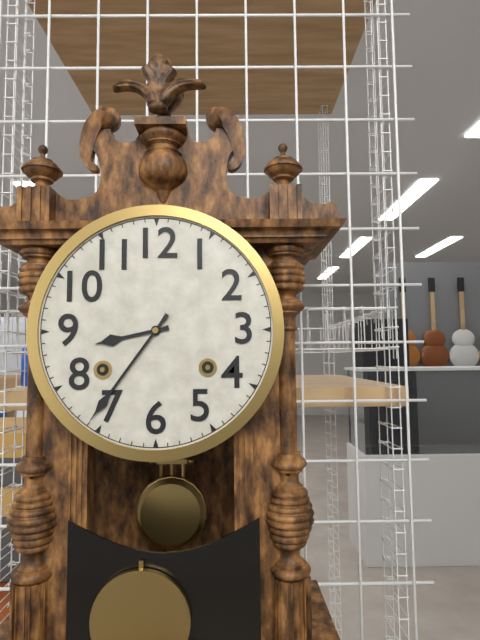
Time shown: 8:36
